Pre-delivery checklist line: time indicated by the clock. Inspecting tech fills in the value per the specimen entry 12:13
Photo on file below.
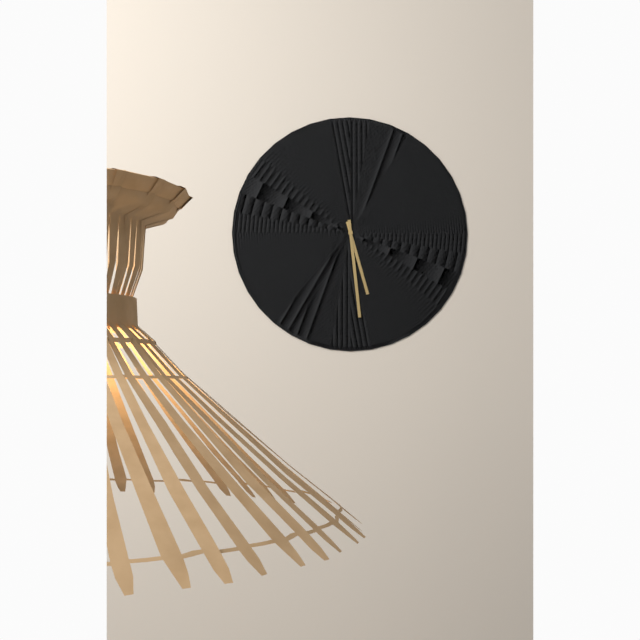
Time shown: 5:29
